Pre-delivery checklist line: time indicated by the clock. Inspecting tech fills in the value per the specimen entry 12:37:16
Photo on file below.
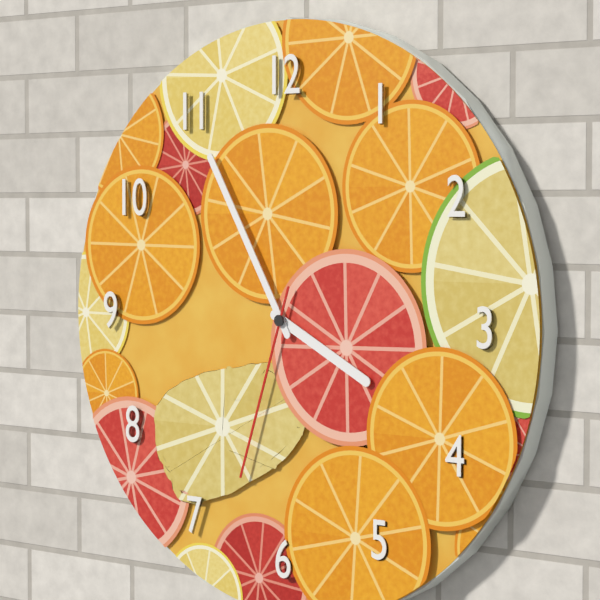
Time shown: 3:55:33
